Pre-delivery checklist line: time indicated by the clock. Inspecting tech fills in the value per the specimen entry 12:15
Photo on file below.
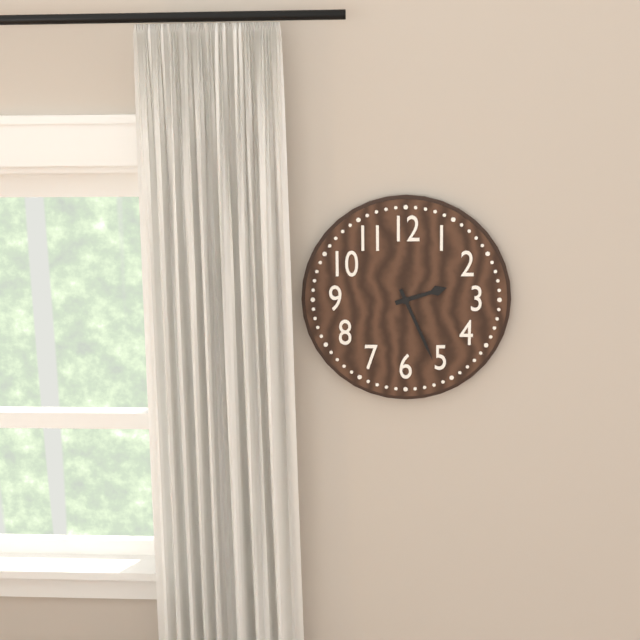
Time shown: 2:26
